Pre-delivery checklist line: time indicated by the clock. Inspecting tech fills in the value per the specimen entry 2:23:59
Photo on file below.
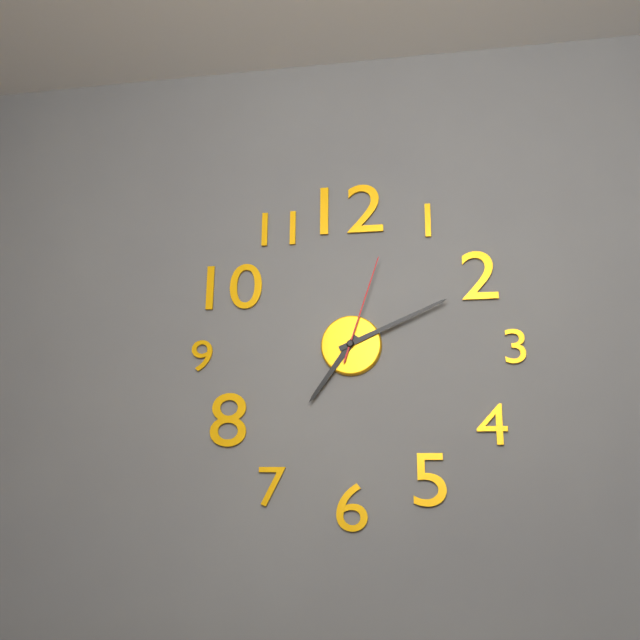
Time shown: 7:11:03
